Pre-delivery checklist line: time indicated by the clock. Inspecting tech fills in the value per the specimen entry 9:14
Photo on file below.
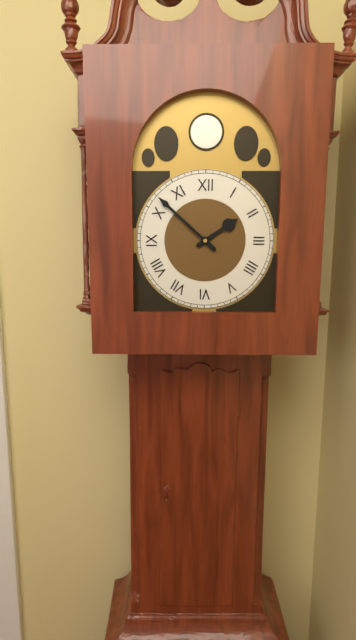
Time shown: 1:52
